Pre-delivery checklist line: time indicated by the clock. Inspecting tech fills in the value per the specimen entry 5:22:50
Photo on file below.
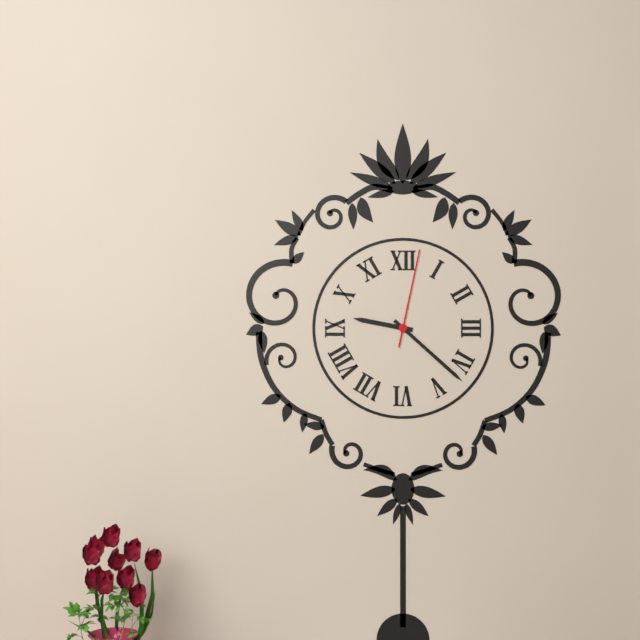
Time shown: 9:22:02
